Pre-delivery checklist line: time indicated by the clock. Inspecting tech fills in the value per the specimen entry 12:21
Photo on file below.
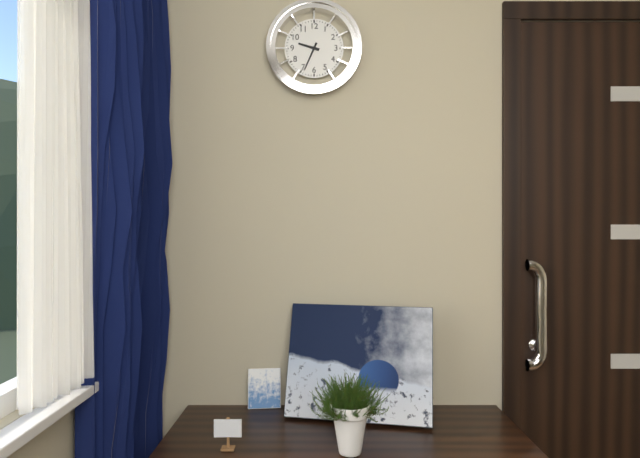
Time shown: 9:34
